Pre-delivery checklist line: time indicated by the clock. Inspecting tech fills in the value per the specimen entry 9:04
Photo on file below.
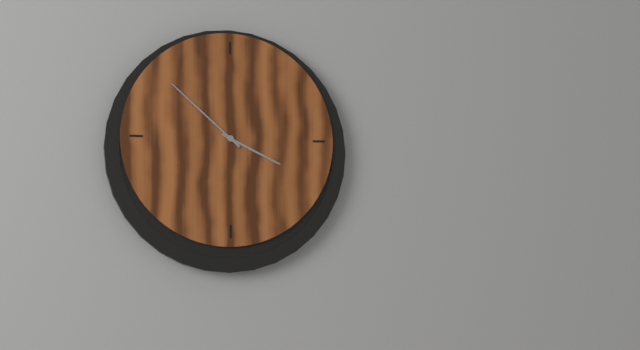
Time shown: 3:52
